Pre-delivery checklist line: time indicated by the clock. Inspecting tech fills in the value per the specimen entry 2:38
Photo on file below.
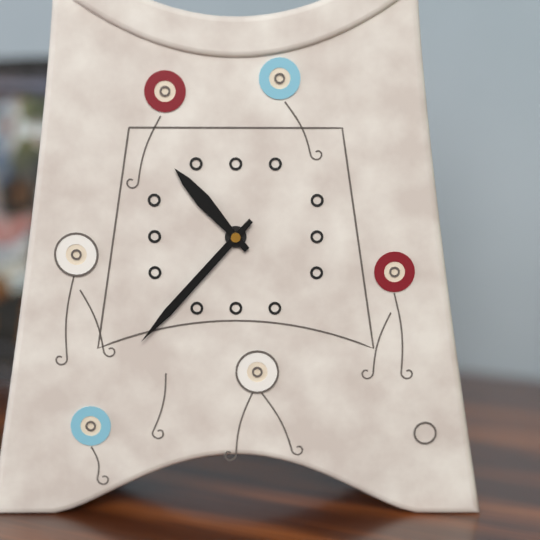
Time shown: 10:37
